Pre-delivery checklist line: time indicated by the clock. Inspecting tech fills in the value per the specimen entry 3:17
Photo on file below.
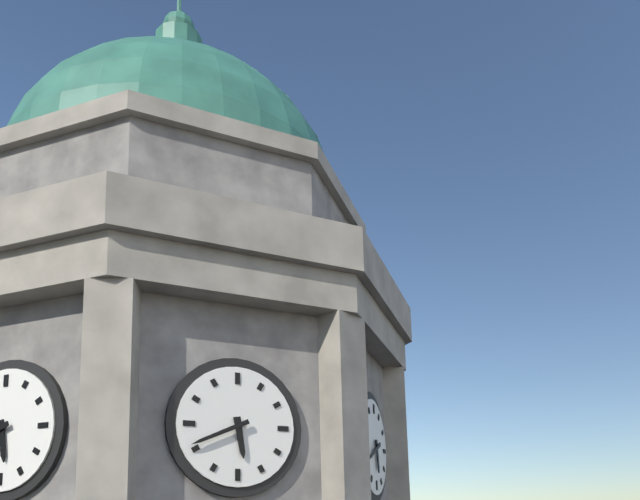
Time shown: 5:41
